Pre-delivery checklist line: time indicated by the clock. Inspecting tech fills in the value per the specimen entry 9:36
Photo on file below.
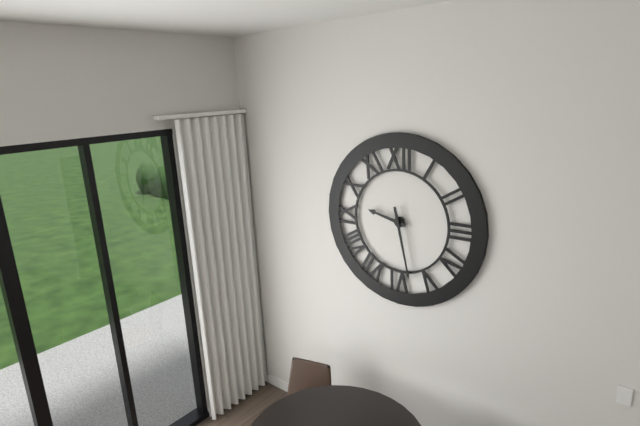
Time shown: 9:28
